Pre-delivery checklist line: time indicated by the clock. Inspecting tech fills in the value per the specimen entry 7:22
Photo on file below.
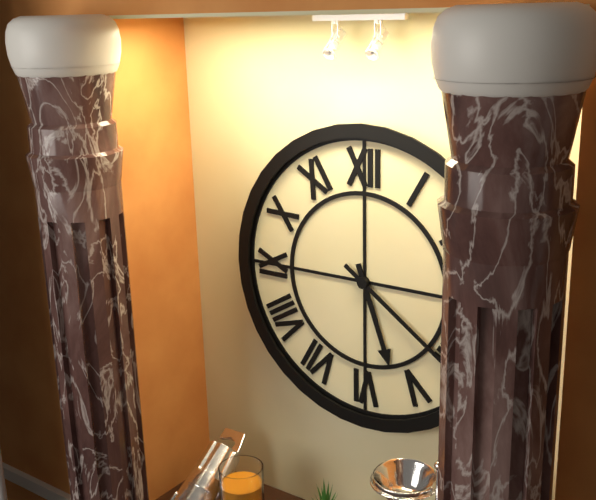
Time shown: 5:21
